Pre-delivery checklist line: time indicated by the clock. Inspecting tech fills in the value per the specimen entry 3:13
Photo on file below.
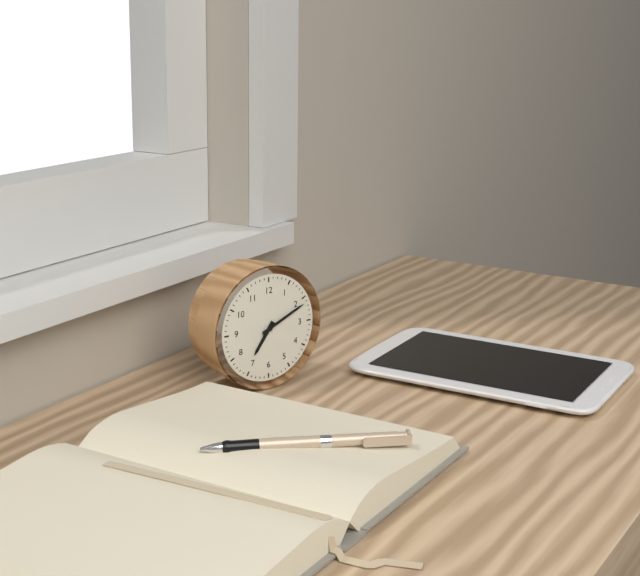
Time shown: 7:11
